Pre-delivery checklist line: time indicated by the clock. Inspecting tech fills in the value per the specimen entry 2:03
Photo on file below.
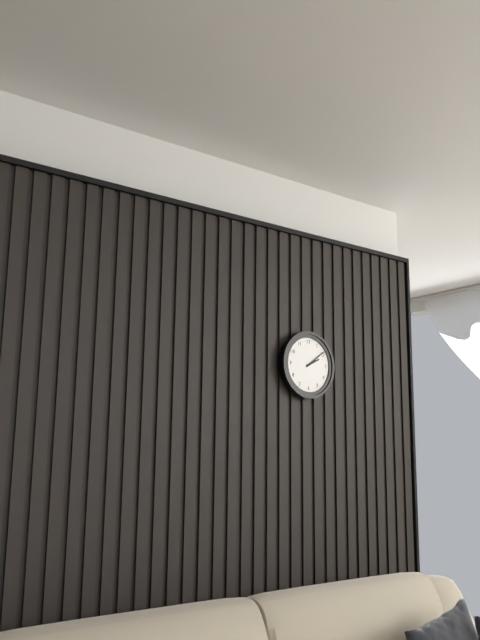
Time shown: 2:09
